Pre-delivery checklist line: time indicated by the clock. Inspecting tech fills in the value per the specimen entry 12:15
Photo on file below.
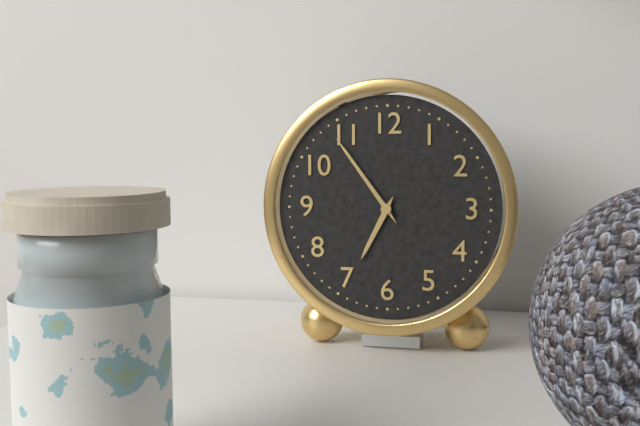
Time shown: 6:54
